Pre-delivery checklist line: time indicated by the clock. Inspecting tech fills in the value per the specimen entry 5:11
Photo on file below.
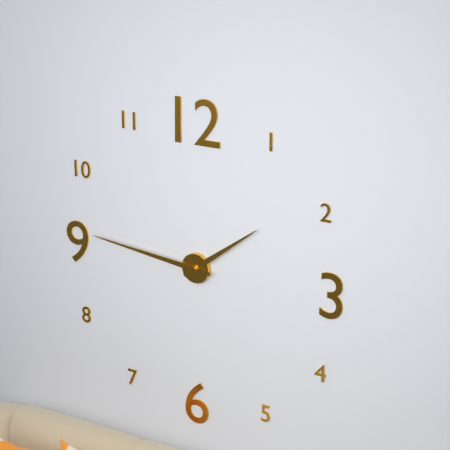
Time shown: 1:46
